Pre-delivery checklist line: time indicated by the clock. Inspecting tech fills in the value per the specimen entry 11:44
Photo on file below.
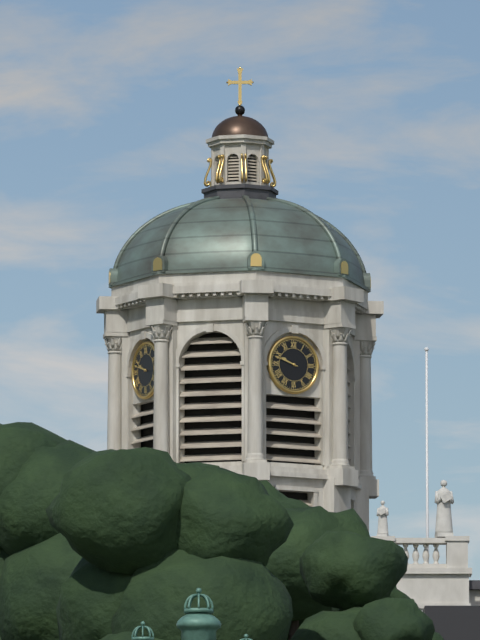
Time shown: 9:48
